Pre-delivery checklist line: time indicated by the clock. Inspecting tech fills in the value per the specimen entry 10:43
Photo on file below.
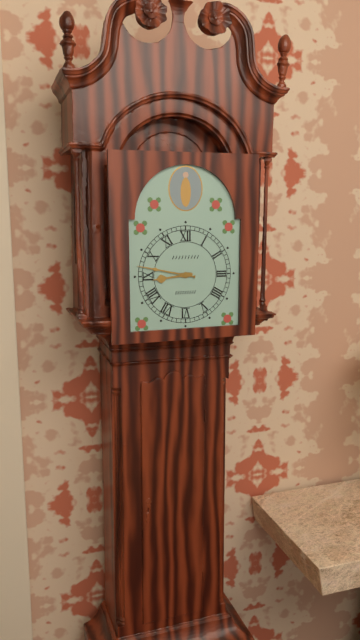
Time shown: 8:47
